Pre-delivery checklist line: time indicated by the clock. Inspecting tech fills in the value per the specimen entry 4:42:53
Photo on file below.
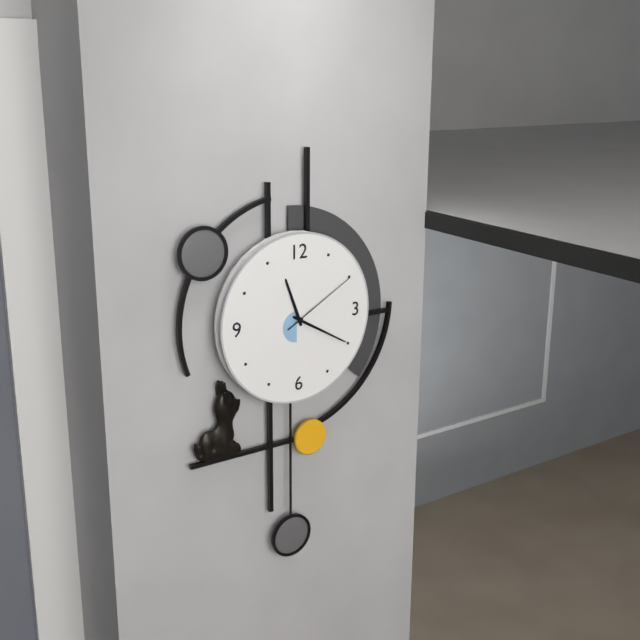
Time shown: 11:20:10
